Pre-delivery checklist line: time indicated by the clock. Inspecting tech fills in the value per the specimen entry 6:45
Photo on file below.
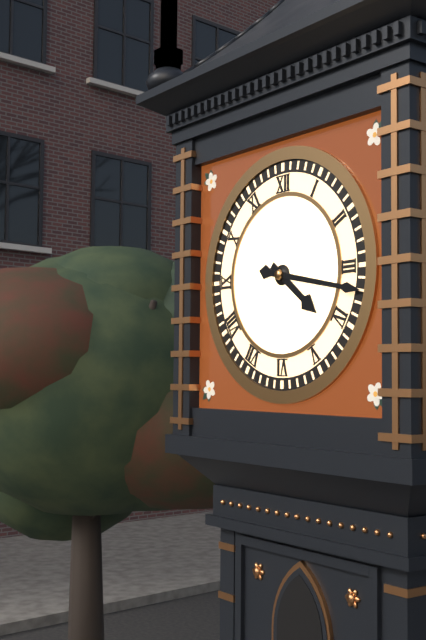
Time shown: 4:17
